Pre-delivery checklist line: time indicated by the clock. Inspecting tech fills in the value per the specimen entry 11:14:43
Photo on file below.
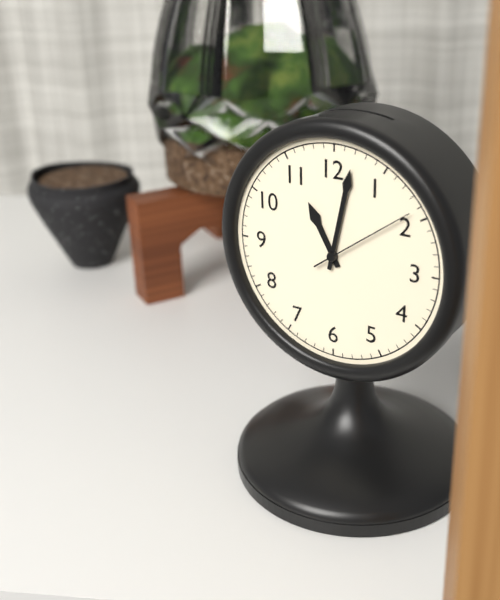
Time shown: 11:02:09
